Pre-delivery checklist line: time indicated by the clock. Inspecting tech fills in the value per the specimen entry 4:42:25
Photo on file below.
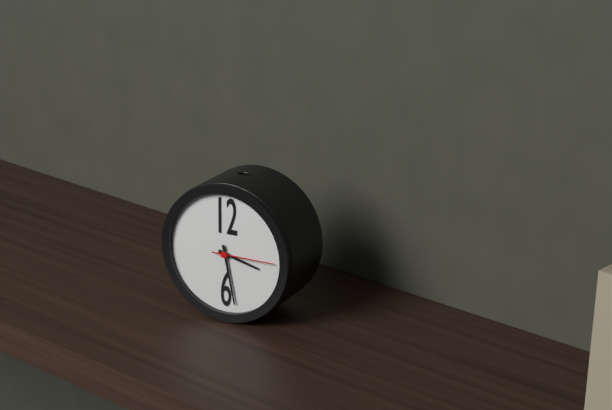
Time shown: 3:28:15
